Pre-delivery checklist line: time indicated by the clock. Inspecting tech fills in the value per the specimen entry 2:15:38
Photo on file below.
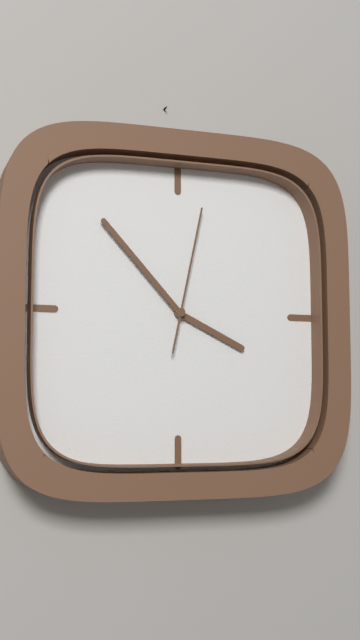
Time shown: 3:53:02
